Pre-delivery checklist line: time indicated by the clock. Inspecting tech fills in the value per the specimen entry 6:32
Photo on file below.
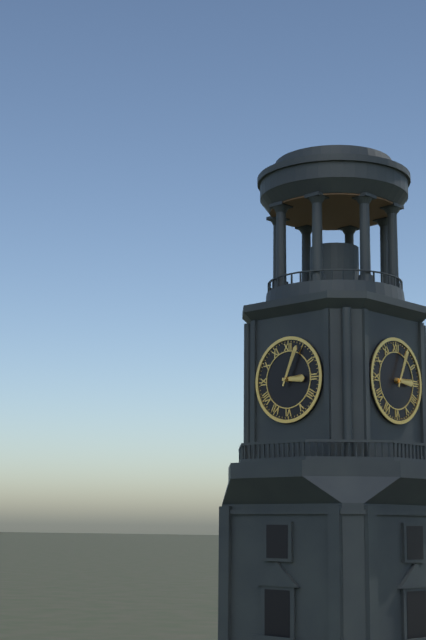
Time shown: 3:04
